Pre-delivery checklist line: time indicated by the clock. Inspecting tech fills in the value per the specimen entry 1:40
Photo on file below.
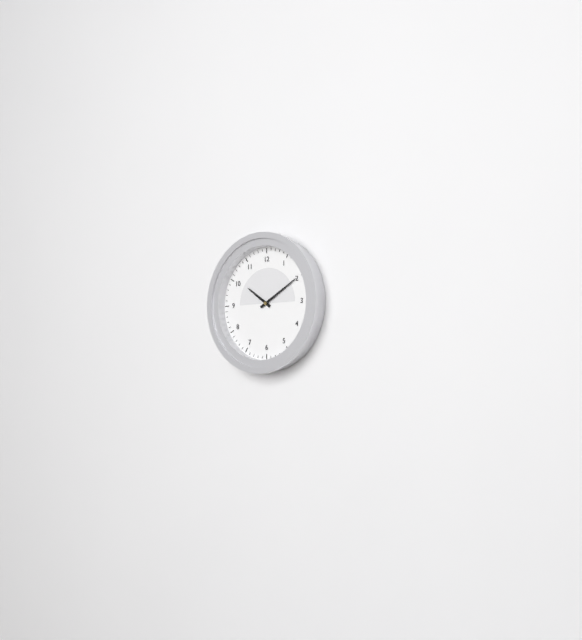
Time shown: 10:10
